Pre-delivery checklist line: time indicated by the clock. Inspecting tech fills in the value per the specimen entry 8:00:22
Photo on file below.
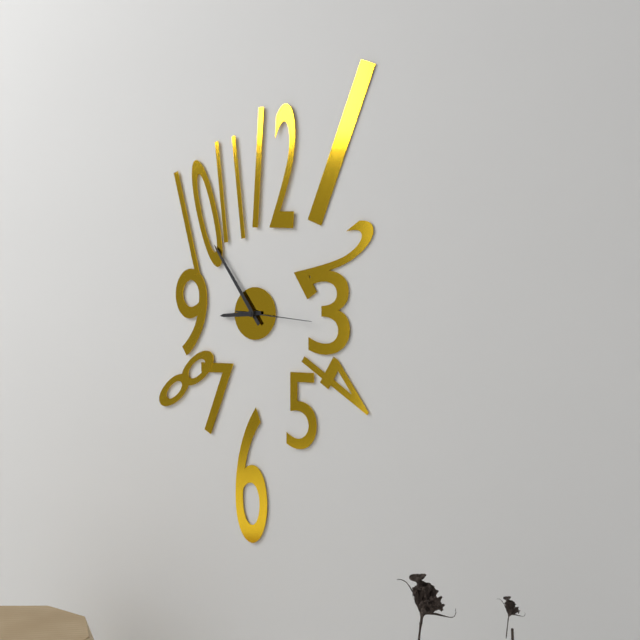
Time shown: 8:54:16
